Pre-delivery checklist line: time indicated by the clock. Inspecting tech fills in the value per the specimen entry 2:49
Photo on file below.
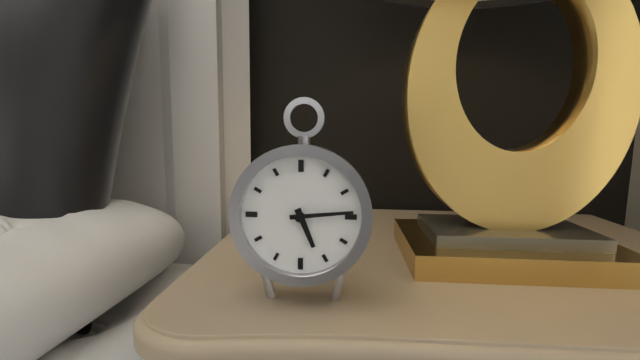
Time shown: 5:14
